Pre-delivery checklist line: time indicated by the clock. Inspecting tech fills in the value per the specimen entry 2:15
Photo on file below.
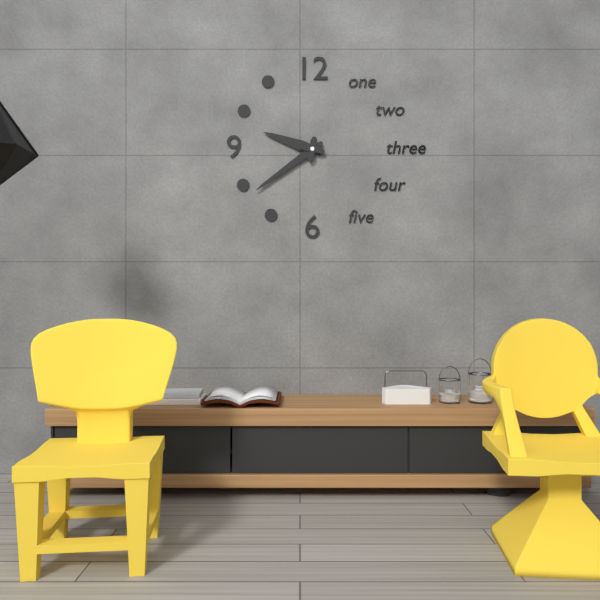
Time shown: 9:39
